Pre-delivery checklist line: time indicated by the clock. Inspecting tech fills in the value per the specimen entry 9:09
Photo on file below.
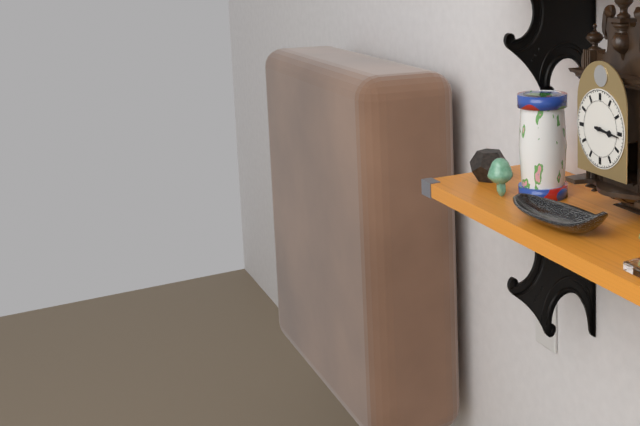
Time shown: 3:16
